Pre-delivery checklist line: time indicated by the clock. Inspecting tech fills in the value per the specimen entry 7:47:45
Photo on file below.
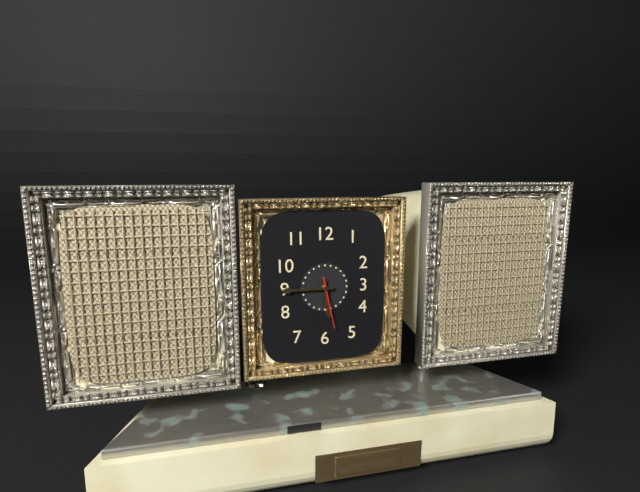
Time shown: 5:45:28
